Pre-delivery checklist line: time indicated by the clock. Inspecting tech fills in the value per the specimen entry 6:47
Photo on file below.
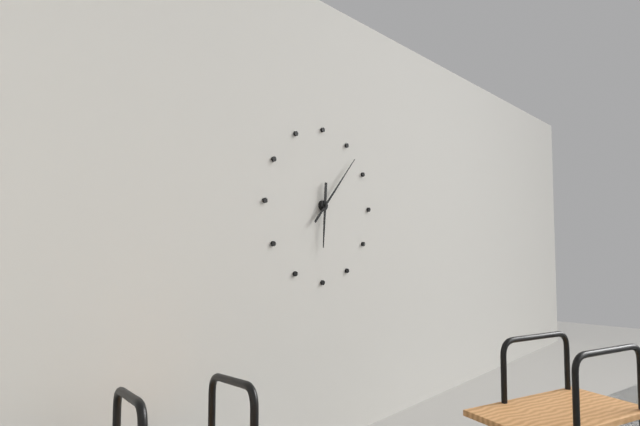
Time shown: 6:07
